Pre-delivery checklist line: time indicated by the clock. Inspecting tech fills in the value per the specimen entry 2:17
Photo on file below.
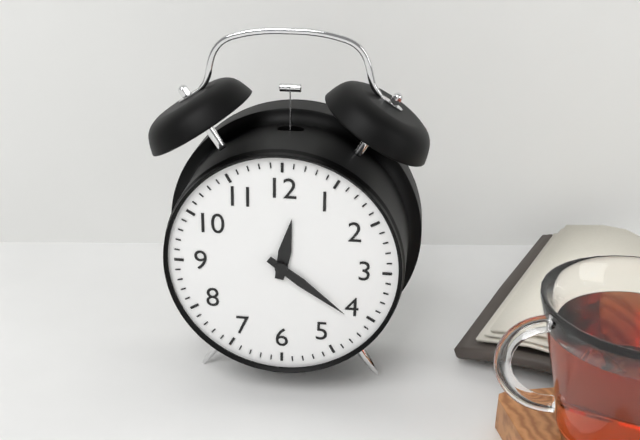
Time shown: 12:21
